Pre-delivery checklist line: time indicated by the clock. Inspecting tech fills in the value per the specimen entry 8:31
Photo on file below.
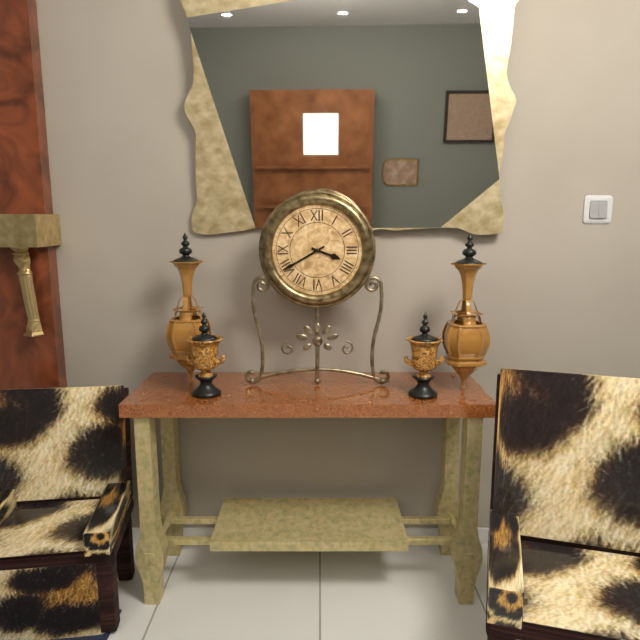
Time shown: 3:40
